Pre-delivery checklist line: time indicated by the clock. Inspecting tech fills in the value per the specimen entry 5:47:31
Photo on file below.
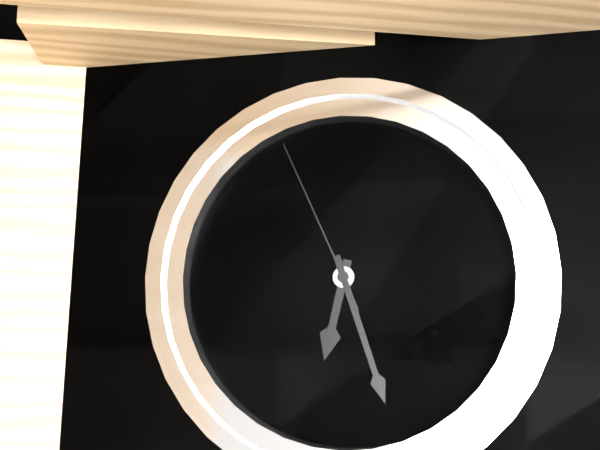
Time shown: 6:27:56
